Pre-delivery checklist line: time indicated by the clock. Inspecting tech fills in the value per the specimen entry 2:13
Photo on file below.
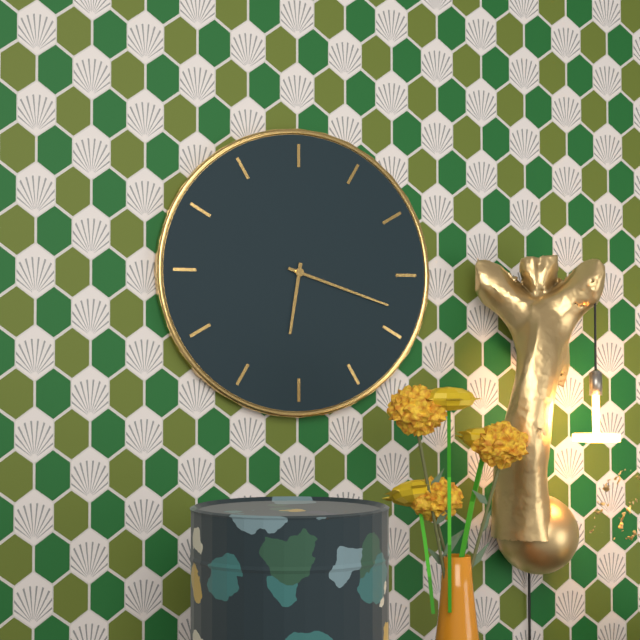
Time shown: 6:18
